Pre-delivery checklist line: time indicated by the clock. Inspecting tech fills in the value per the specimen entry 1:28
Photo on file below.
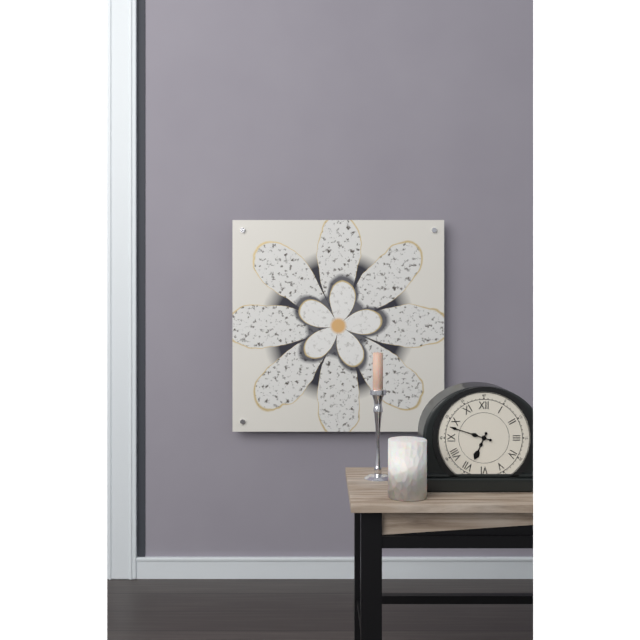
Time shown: 6:48
